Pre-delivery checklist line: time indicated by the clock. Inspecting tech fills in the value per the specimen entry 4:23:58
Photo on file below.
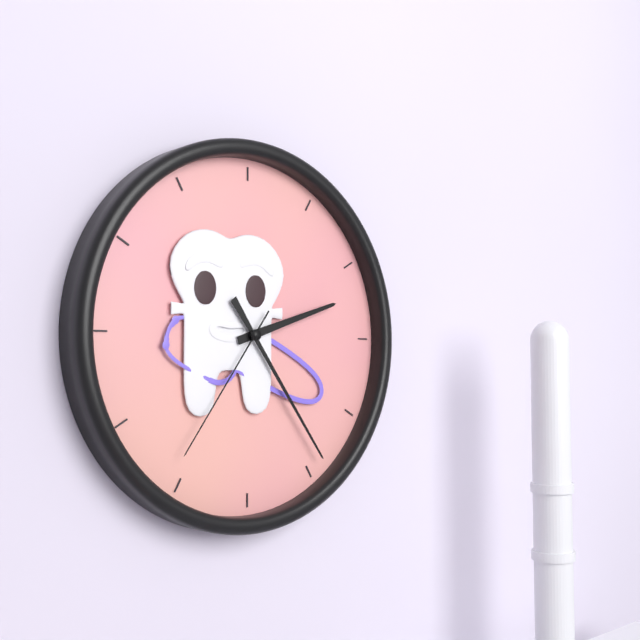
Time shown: 2:24:36
